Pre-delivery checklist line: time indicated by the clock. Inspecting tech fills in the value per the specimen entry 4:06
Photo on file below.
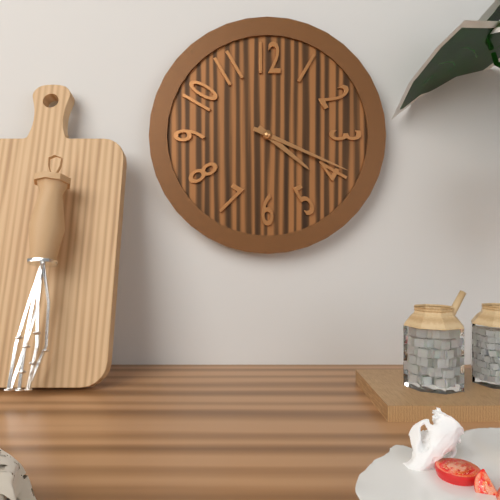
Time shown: 4:19
